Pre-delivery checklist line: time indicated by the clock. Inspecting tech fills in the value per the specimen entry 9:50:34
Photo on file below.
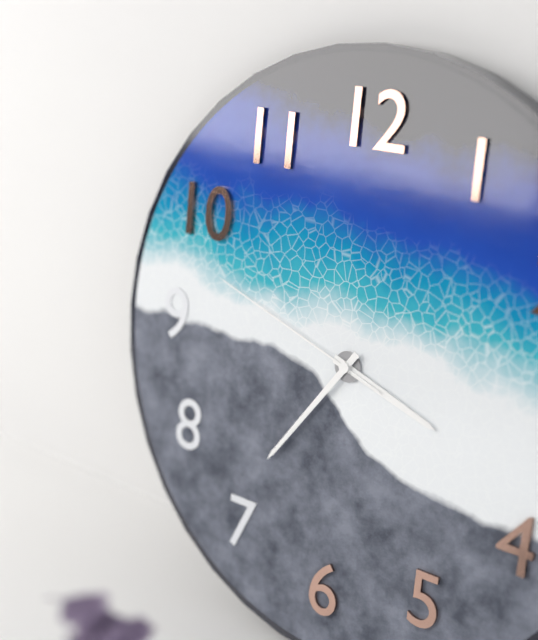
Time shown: 3:36:48
